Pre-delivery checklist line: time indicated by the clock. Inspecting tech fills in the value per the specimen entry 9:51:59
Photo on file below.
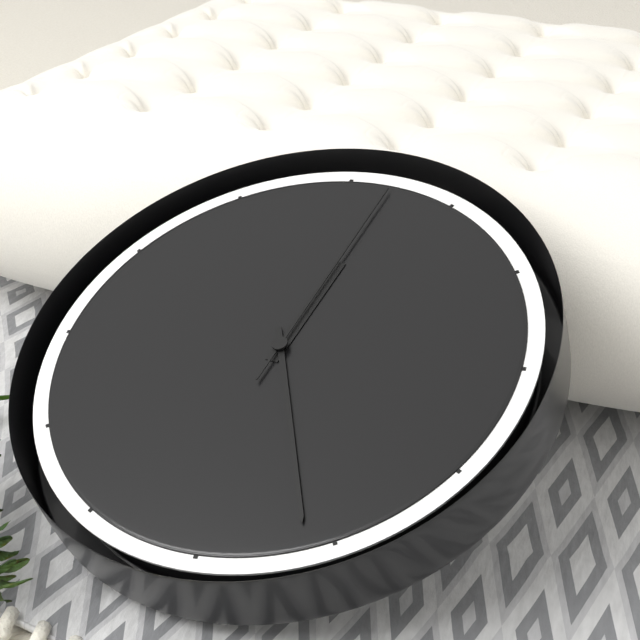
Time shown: 12:26:02
